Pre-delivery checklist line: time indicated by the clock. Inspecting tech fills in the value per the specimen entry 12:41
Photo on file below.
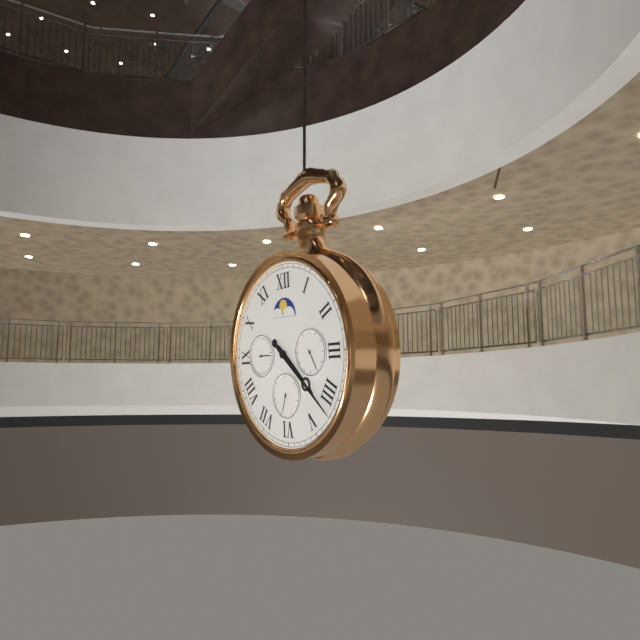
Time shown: 4:22
